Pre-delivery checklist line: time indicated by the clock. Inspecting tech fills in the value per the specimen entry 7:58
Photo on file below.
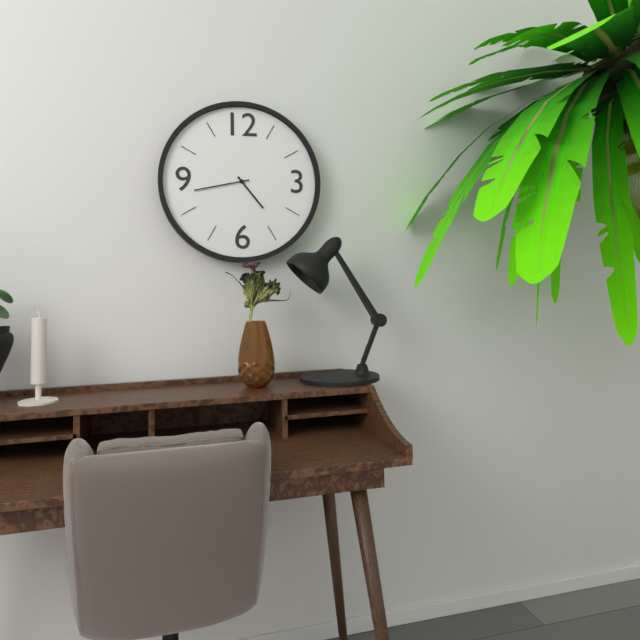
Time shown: 4:43
